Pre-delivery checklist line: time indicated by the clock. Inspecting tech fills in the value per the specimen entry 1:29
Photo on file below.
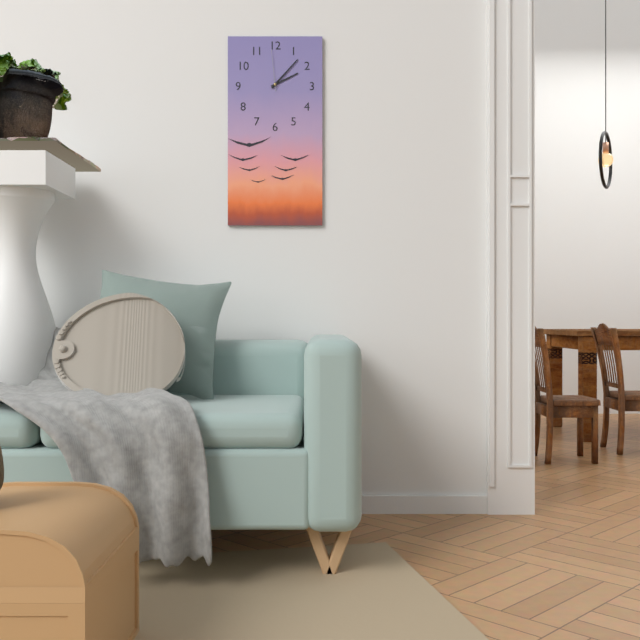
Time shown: 2:07
